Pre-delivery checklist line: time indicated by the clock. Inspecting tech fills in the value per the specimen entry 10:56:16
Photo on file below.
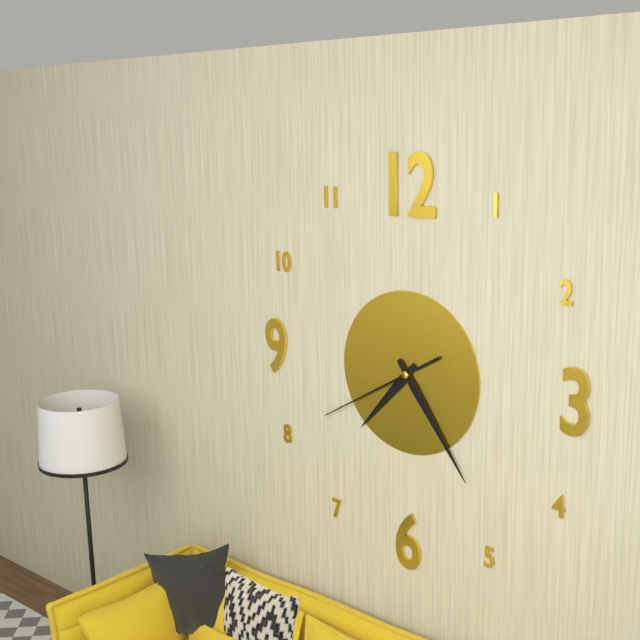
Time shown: 7:24:40
